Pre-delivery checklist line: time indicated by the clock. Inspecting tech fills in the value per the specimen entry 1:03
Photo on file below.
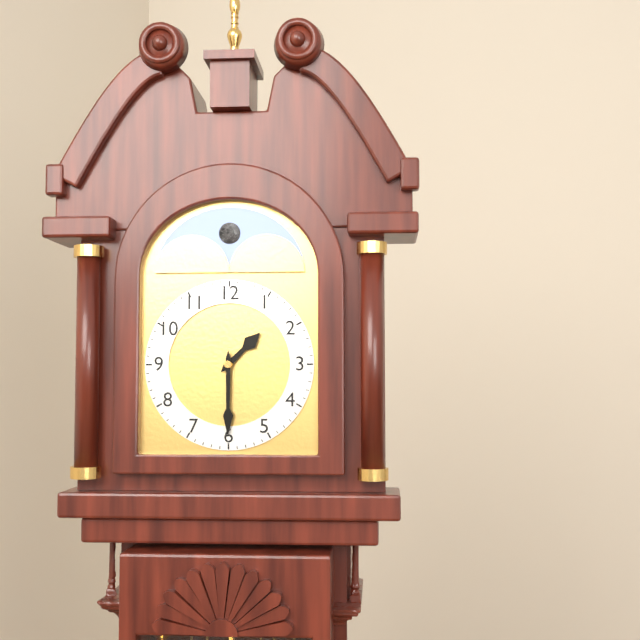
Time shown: 1:30
